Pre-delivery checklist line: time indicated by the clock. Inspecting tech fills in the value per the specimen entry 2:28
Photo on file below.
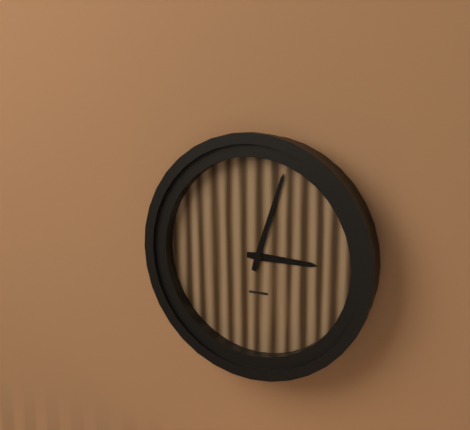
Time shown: 3:03
